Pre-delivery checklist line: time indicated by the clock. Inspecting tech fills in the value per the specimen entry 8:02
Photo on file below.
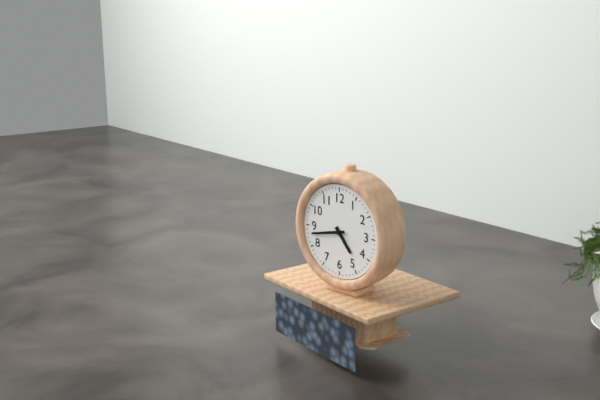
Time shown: 4:43
